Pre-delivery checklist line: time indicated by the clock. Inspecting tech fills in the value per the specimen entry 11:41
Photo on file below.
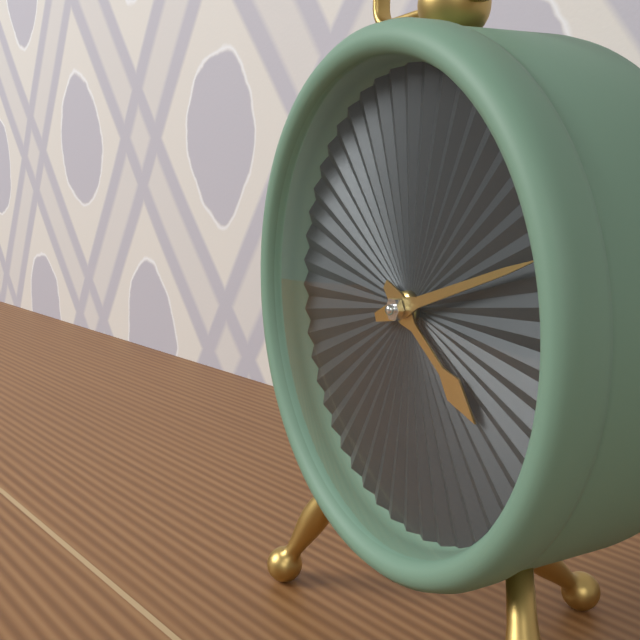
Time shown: 4:12
